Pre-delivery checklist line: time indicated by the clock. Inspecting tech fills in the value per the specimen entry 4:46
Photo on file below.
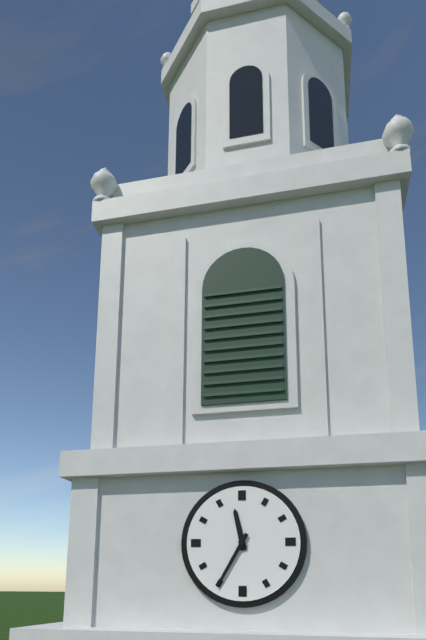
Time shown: 11:35
